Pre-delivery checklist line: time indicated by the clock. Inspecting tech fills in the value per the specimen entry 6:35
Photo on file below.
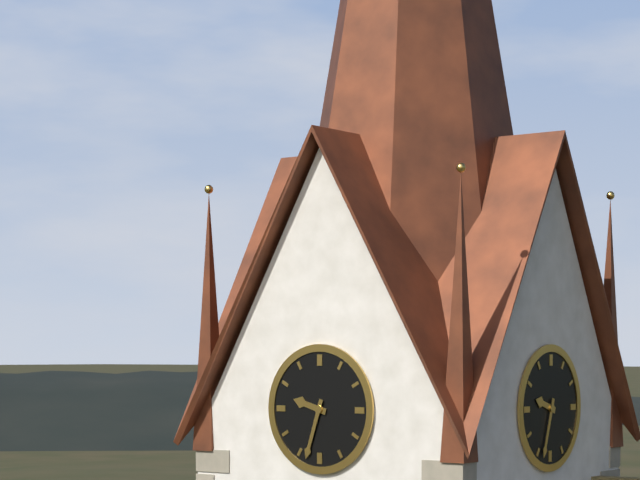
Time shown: 9:33
